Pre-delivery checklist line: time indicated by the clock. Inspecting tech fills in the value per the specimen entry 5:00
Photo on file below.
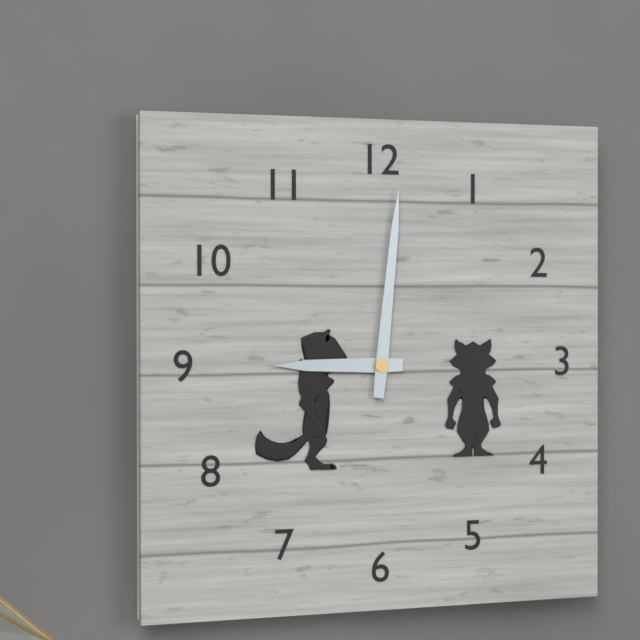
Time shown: 9:01
